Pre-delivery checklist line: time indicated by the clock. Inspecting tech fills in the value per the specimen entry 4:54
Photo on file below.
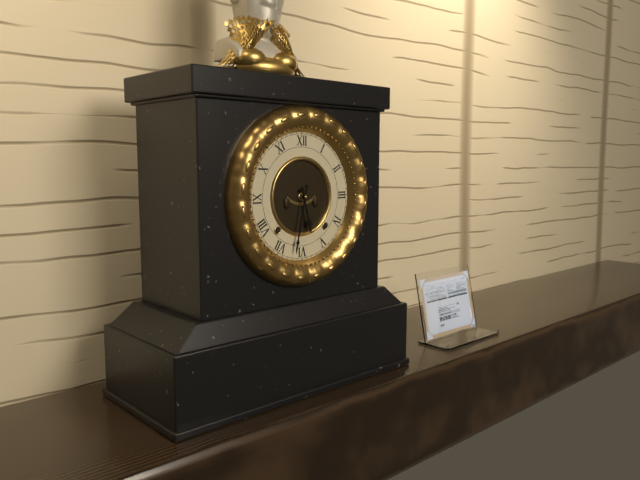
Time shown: 5:32
